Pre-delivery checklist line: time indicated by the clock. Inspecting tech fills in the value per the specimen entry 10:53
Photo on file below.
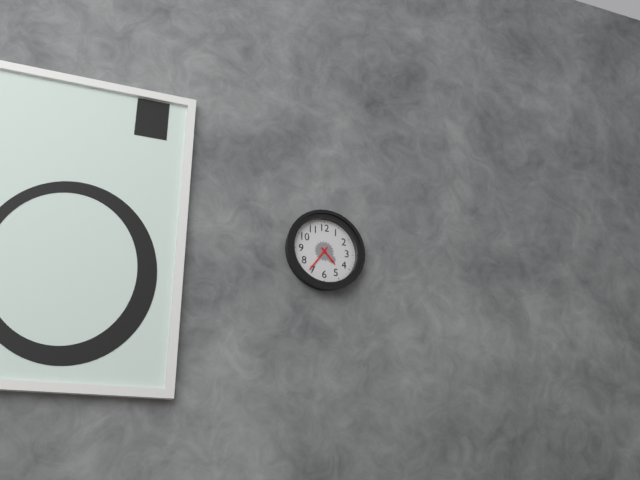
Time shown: 4:36
